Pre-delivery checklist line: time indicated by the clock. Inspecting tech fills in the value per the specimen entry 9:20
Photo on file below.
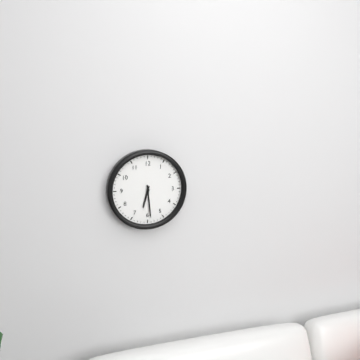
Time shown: 6:29
